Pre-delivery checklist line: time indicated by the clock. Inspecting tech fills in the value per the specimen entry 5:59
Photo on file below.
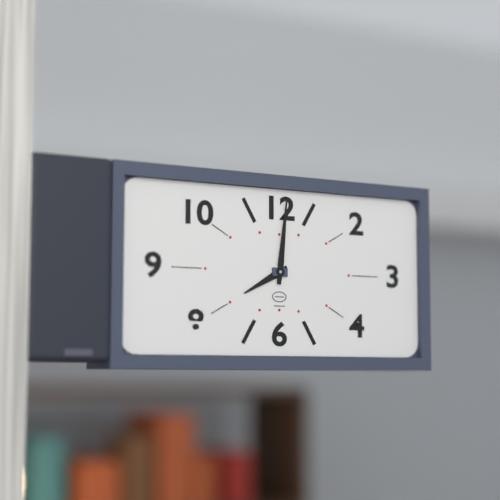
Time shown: 8:01
